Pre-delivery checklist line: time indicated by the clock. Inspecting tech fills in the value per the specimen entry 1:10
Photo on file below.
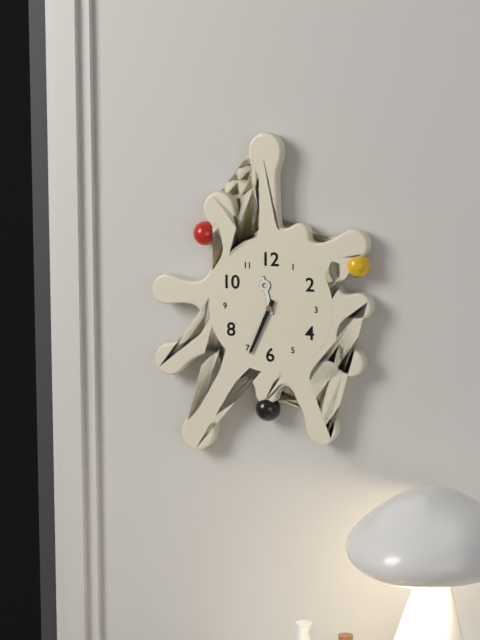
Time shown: 11:34
